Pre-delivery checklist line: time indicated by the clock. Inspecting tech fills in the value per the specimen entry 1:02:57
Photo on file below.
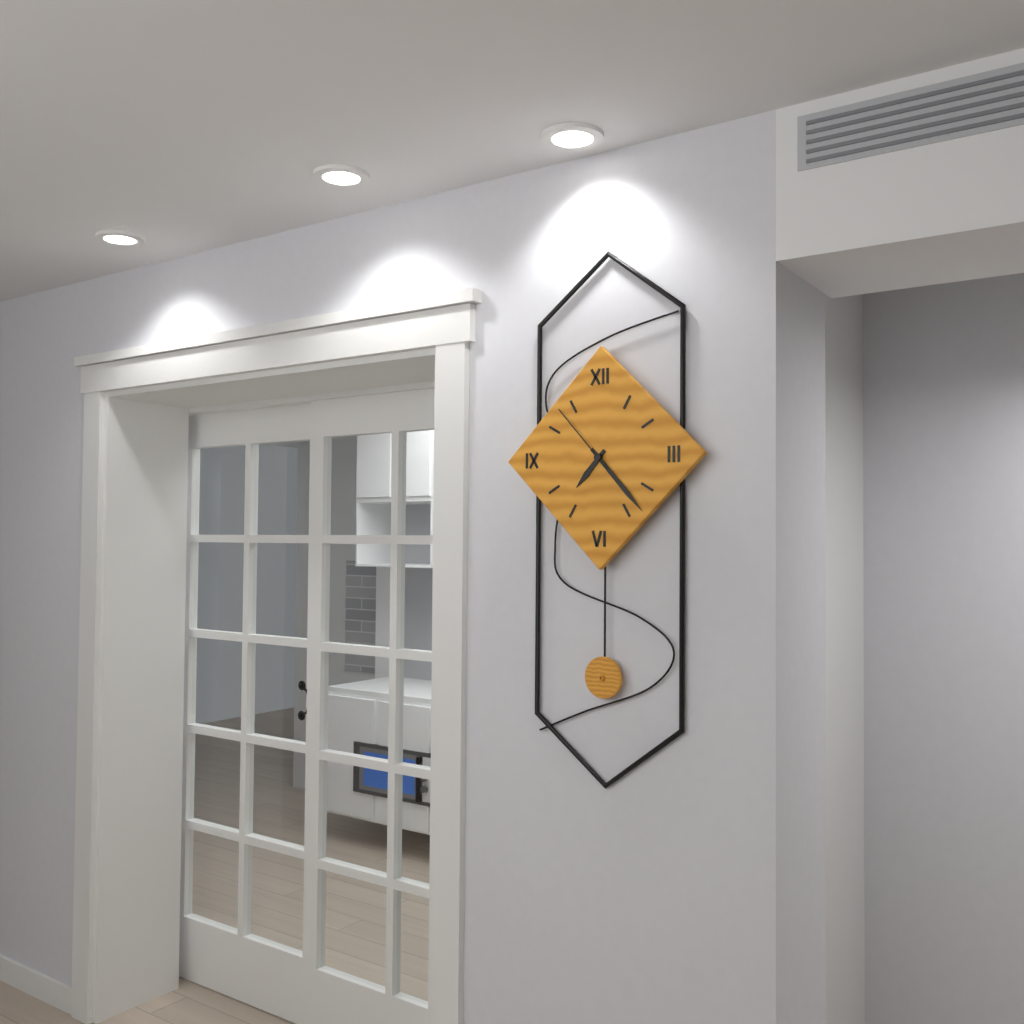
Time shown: 7:23:53
